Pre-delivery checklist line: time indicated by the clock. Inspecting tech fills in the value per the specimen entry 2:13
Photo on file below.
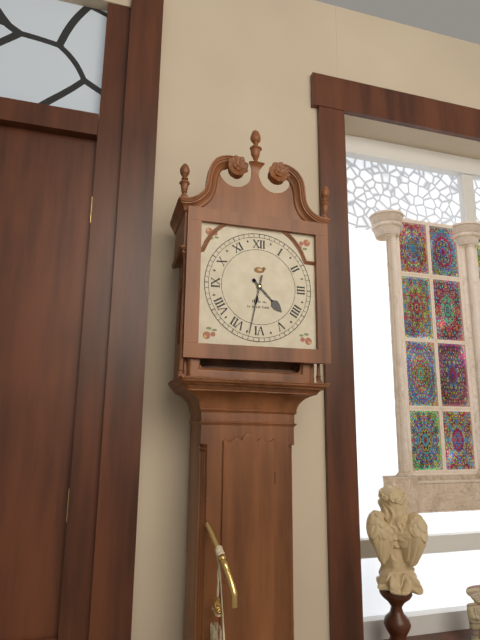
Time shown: 4:32
